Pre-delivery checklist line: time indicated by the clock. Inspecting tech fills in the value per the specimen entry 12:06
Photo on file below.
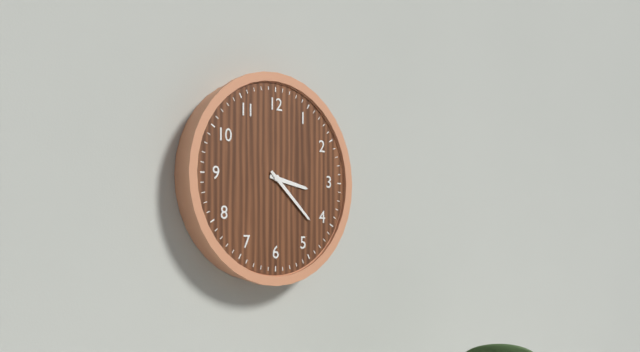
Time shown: 3:22
